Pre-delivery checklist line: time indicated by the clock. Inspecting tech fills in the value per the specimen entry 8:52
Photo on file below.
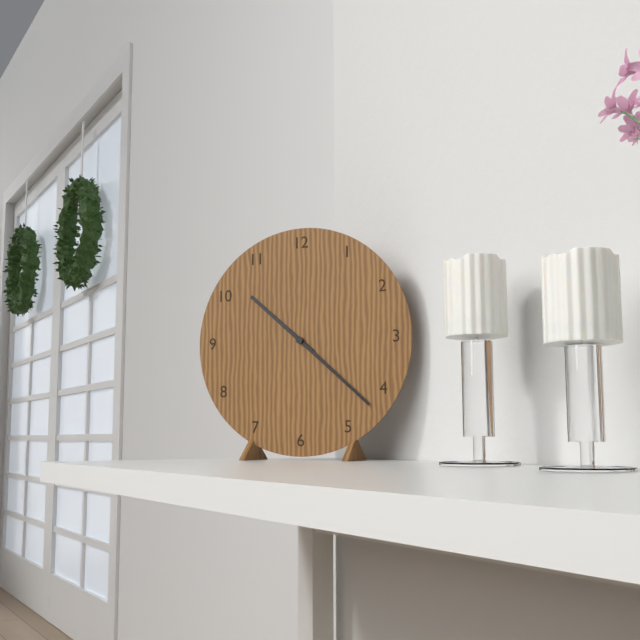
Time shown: 10:22
